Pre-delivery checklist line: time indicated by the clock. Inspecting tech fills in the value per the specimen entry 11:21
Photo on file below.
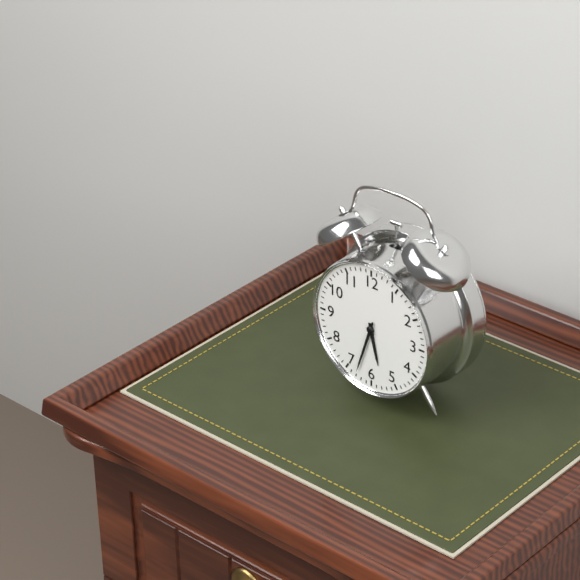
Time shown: 5:33
